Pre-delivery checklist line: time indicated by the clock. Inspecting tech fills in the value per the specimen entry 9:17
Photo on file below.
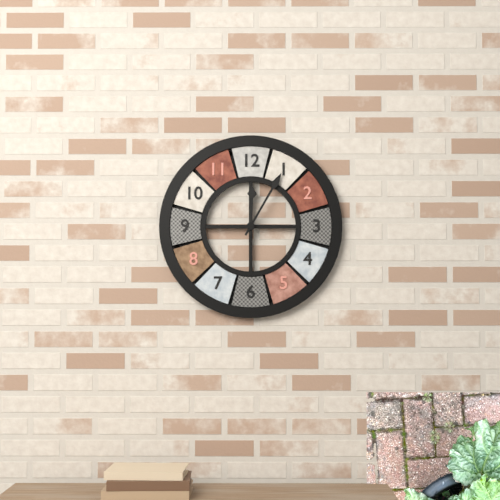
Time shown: 12:05
